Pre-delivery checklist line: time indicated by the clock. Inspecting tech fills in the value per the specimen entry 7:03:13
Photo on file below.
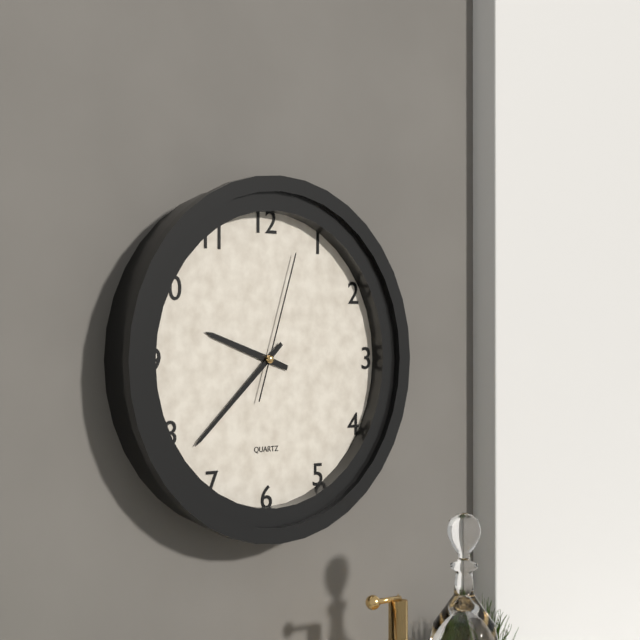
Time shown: 9:38:03
